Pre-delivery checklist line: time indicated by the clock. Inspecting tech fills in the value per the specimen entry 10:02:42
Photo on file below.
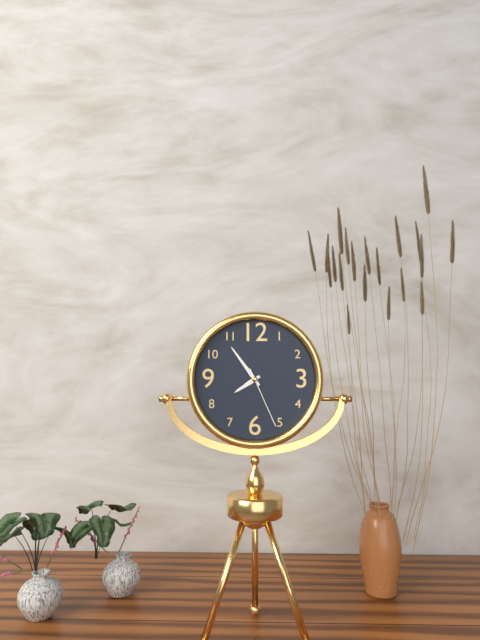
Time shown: 7:54:26
